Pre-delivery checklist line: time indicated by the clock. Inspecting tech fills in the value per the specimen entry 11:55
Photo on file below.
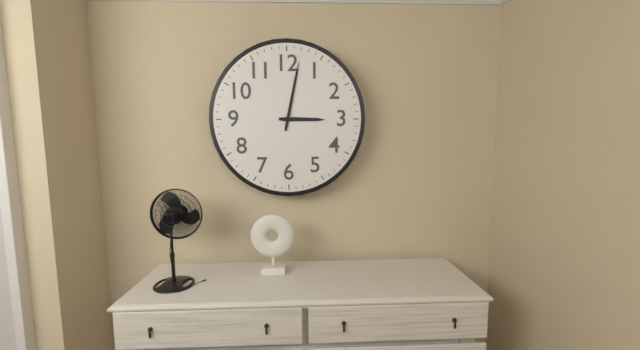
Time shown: 3:02
